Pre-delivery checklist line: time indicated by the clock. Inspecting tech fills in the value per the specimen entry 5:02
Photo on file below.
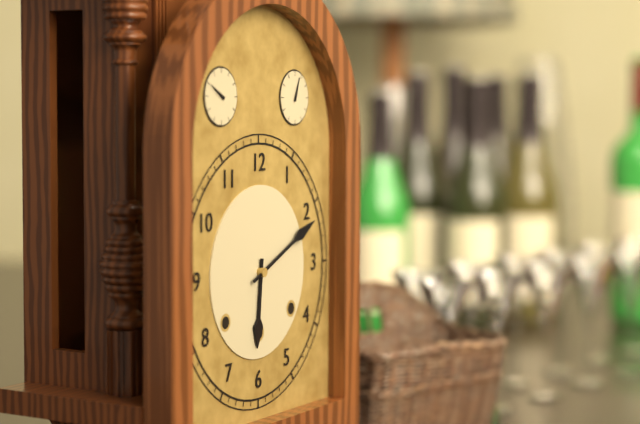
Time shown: 6:11
